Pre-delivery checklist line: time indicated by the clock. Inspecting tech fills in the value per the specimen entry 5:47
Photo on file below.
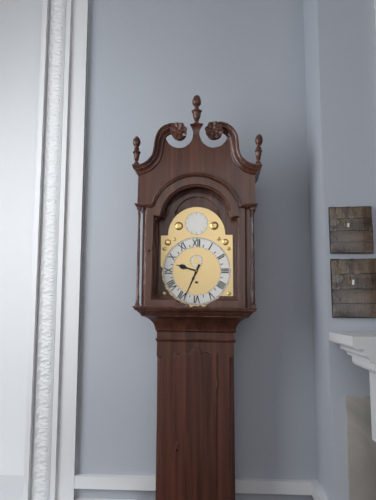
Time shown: 9:34
